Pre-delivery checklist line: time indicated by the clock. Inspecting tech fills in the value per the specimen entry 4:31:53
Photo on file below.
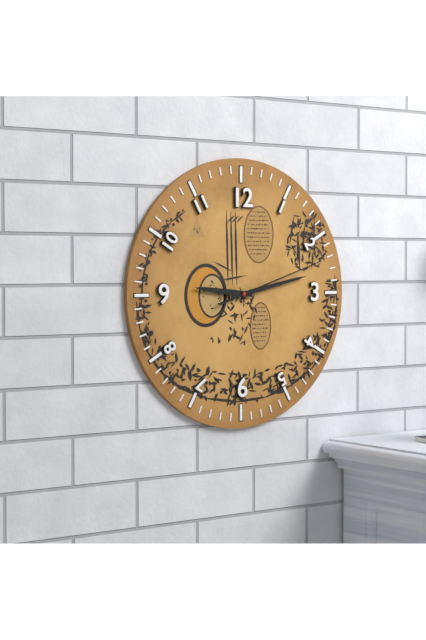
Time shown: 9:13:12
